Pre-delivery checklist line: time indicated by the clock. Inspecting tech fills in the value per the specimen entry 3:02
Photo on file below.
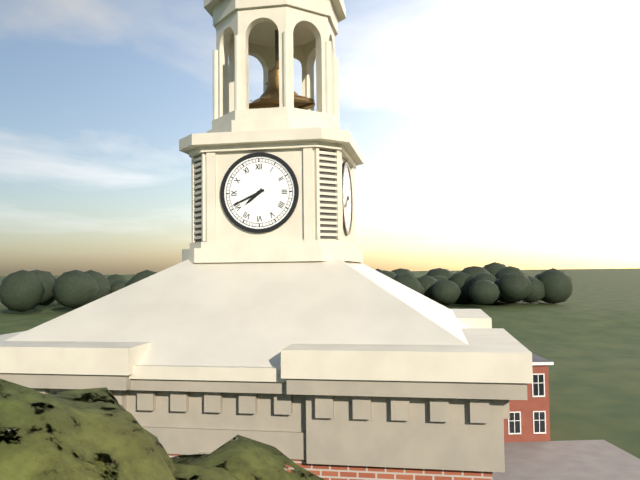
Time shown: 7:41
